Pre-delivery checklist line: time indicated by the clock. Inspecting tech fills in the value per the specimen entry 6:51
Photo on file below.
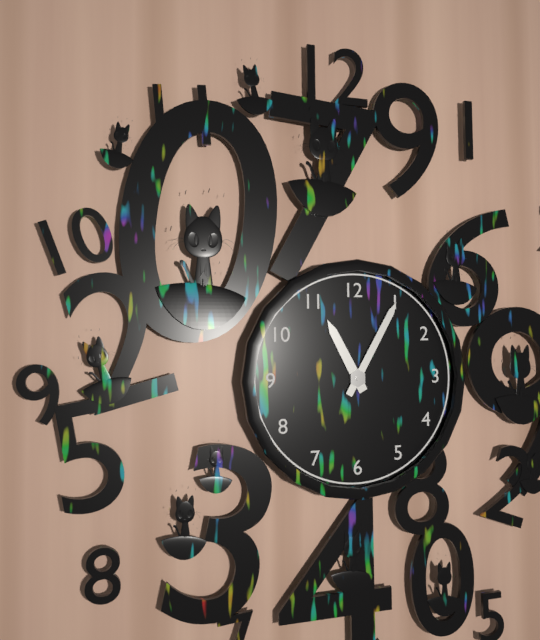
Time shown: 11:05
